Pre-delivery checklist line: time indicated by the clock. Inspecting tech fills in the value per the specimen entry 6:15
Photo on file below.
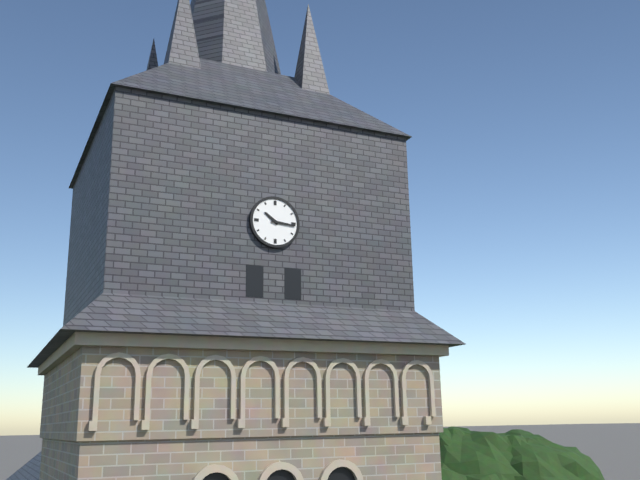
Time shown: 10:16
